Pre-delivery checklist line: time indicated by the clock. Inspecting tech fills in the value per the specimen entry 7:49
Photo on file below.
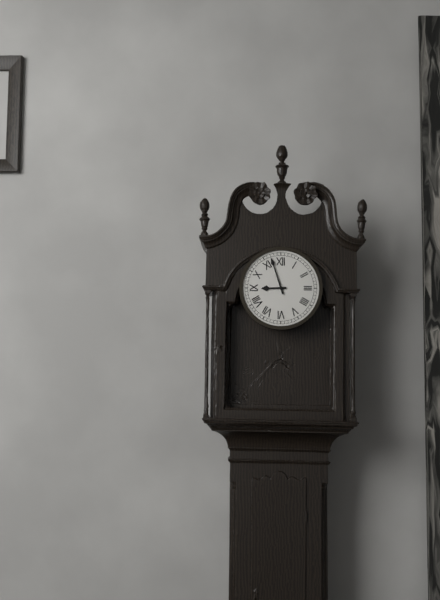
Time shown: 8:57
